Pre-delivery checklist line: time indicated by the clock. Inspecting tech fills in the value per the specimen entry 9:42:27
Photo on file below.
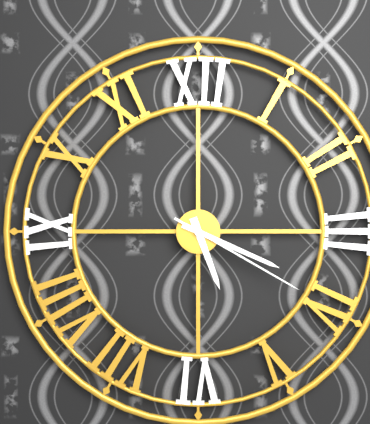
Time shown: 5:19:20
